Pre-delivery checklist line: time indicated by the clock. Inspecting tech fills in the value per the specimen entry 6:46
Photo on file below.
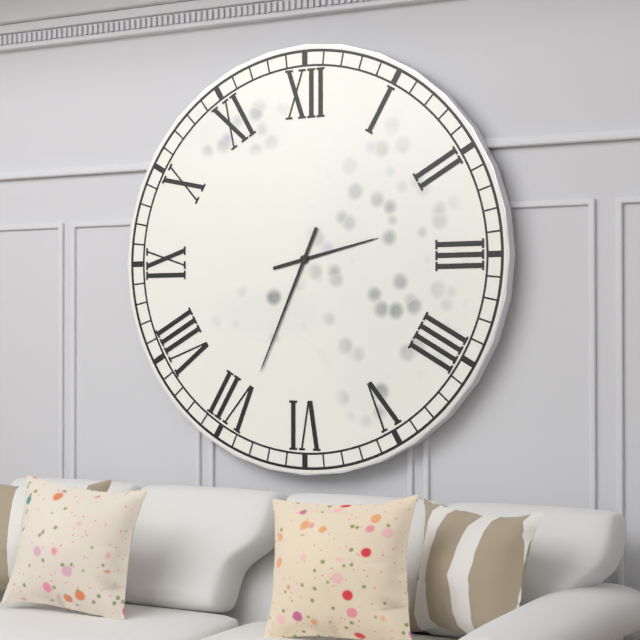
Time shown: 2:34
